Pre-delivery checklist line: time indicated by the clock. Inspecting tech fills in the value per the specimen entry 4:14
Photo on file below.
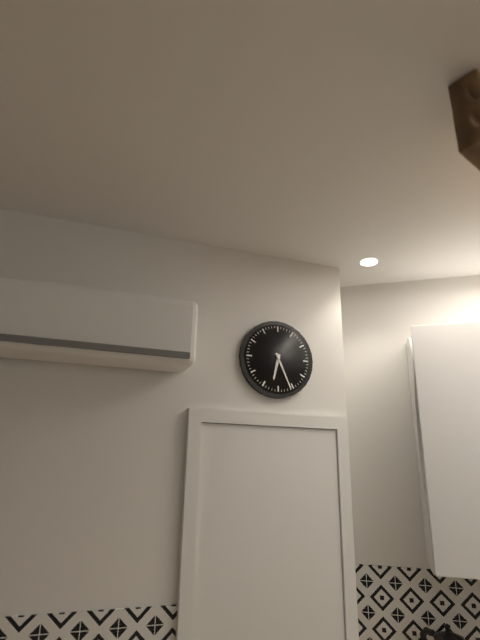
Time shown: 6:26
